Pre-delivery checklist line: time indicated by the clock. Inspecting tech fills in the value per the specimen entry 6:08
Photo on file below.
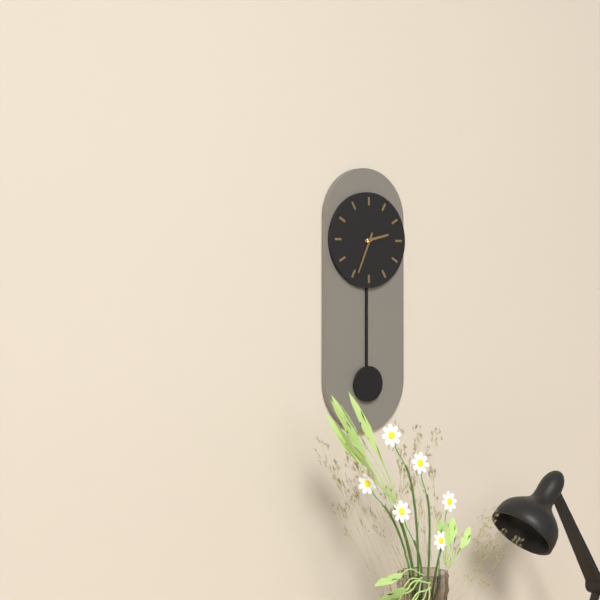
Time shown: 2:34
